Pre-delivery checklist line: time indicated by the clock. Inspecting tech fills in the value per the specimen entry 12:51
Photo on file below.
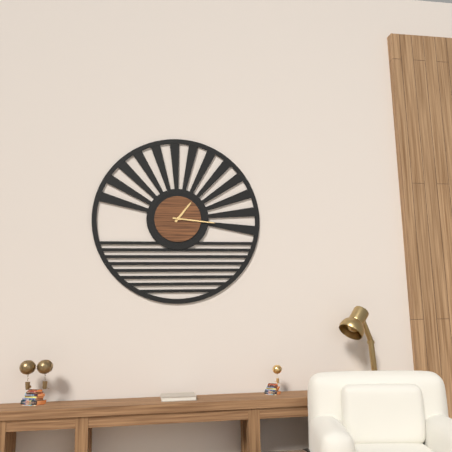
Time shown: 1:16
